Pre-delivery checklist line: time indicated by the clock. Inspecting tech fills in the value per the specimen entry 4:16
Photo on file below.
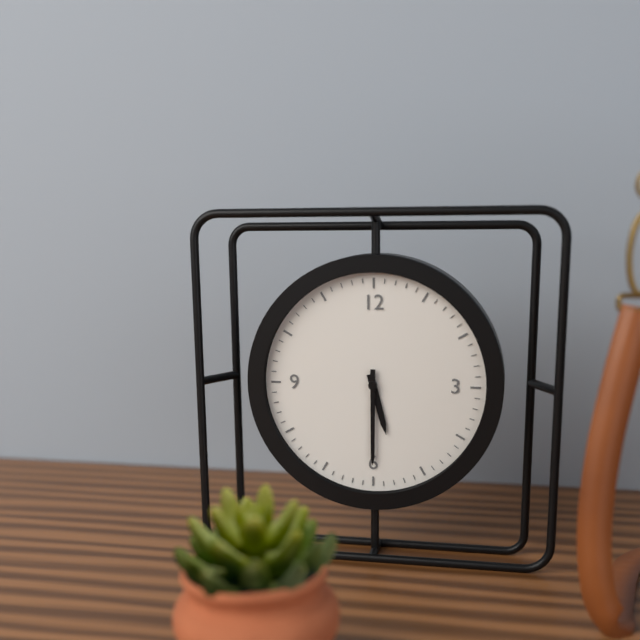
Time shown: 5:30
